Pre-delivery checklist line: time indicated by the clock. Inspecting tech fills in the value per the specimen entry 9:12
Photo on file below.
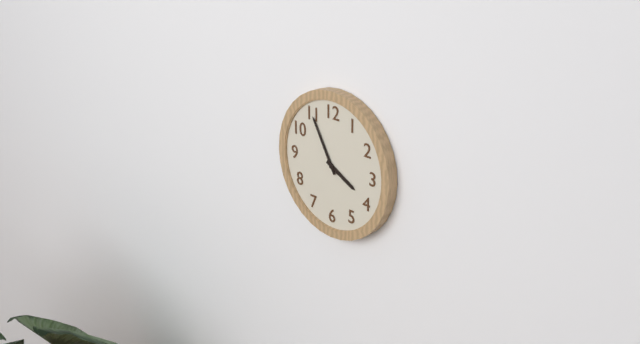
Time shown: 3:55
